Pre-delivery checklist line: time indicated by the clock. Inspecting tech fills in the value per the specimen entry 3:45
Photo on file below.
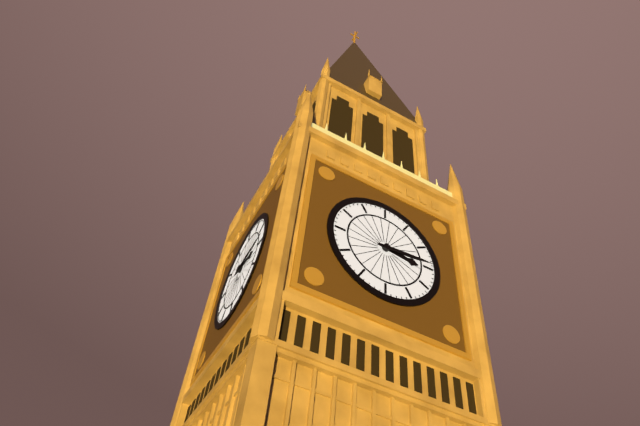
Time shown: 3:14
